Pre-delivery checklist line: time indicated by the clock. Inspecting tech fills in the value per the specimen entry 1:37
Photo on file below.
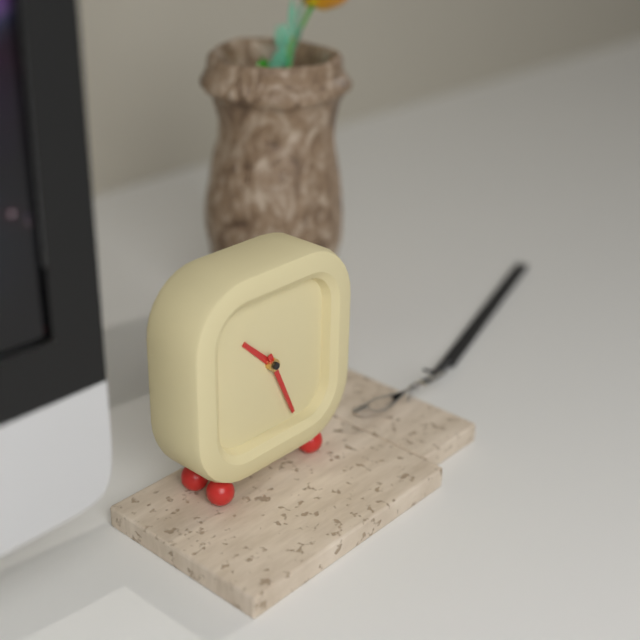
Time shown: 10:26
